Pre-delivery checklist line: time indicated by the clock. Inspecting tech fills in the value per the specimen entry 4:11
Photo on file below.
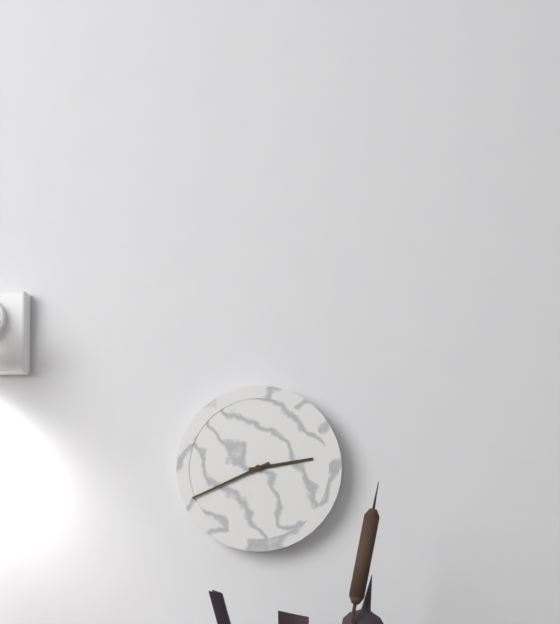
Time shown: 2:41
